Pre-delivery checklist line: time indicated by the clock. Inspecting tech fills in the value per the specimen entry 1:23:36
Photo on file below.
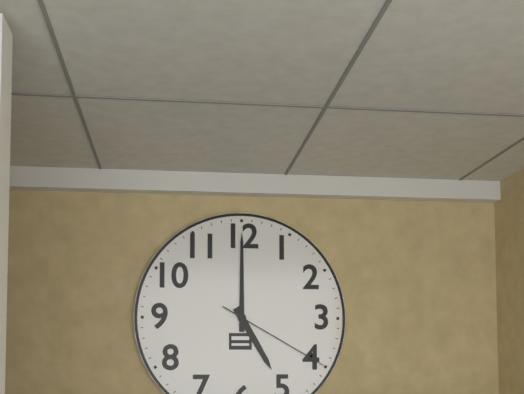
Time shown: 5:00:20
